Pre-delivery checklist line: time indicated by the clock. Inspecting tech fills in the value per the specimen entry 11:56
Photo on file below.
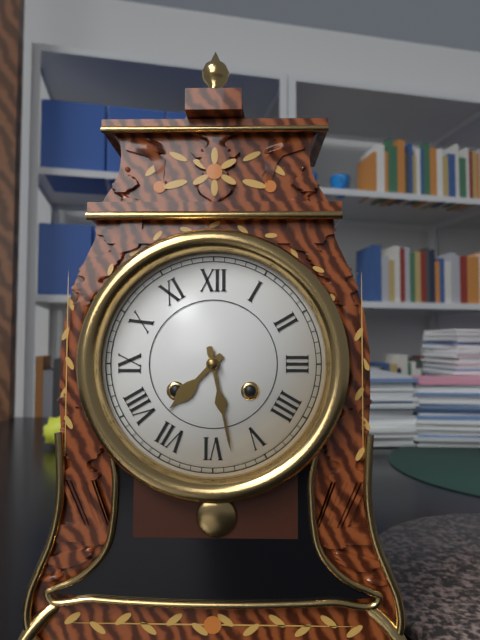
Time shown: 7:28
